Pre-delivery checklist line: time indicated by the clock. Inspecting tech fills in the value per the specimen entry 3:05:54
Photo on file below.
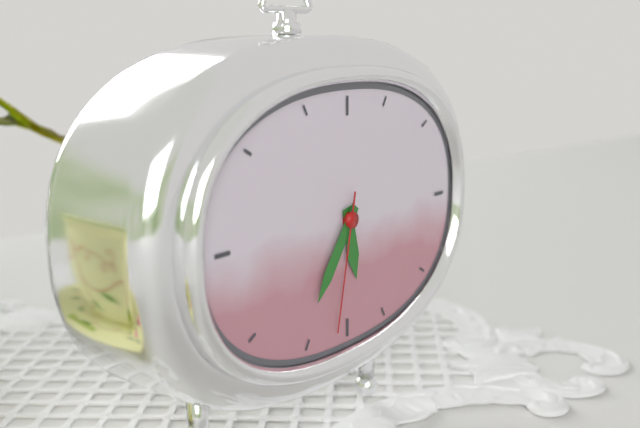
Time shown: 5:36:32
